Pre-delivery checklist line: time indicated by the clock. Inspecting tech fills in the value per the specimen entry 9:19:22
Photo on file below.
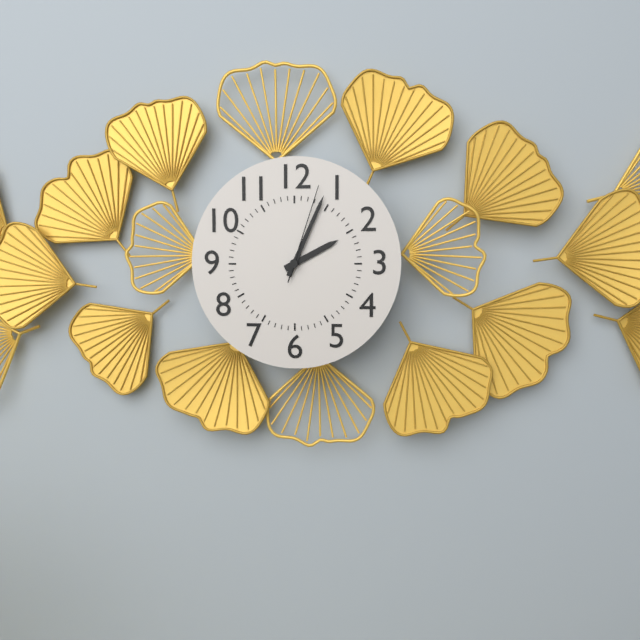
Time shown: 2:04:03
